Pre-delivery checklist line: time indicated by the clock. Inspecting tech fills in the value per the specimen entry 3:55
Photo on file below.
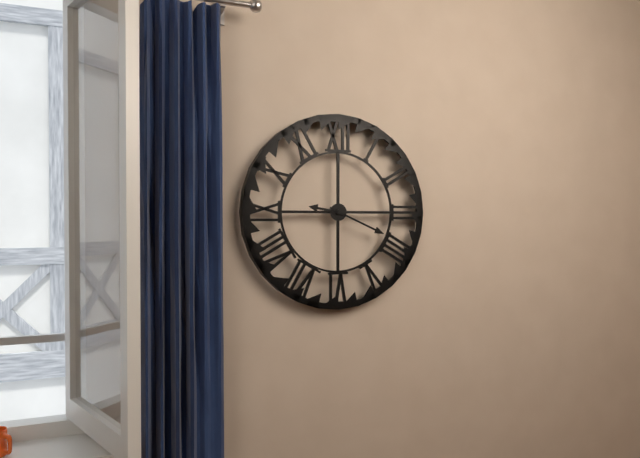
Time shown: 9:19
